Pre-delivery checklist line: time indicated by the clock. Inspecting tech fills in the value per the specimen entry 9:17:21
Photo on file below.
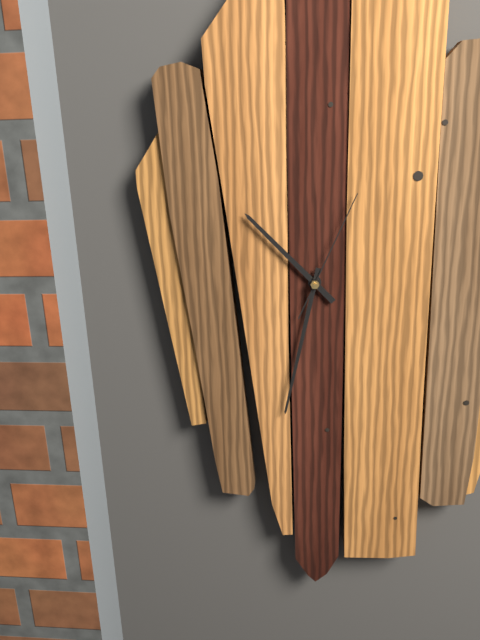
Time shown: 10:32:04
